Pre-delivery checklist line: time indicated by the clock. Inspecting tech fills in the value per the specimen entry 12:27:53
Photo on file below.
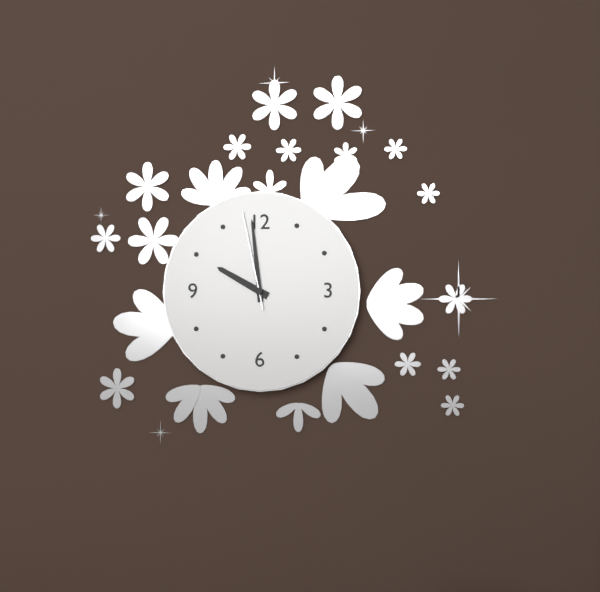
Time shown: 9:59:58
